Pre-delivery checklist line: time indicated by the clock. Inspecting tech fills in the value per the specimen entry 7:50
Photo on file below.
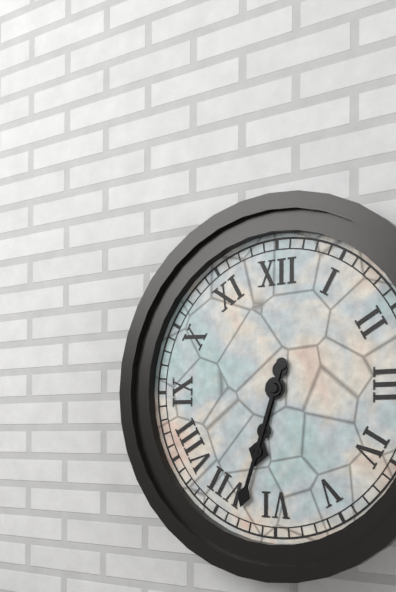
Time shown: 6:33
